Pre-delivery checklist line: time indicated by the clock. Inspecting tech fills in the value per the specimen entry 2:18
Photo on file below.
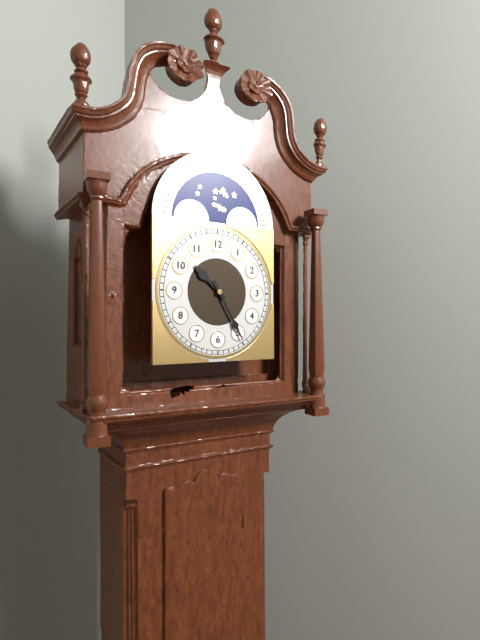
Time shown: 10:25
